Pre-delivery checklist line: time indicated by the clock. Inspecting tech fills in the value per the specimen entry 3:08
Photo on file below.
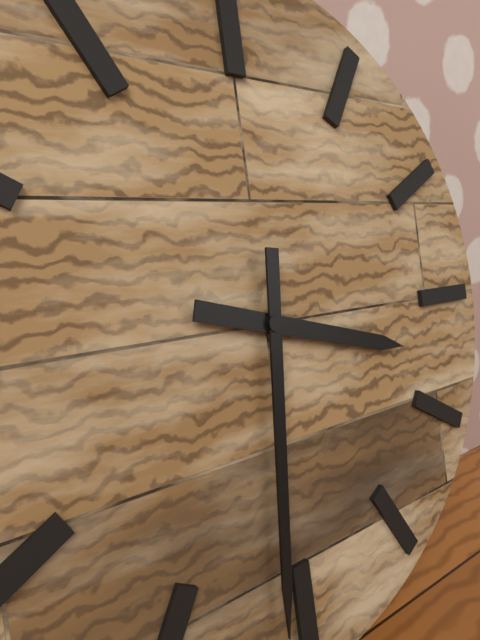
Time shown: 3:31
